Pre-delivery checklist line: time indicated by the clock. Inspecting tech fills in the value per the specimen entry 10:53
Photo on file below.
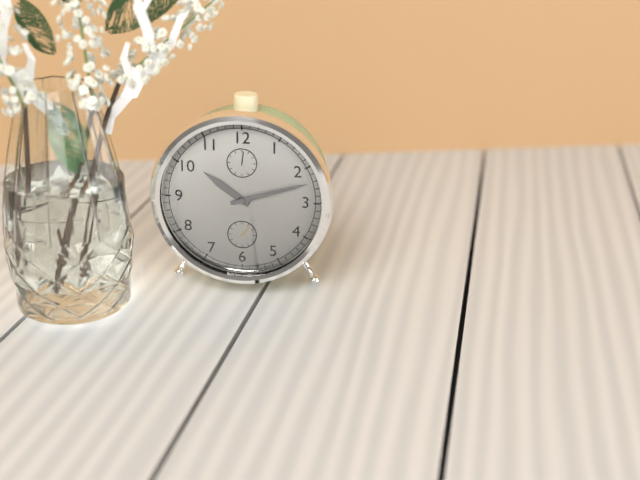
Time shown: 10:12
